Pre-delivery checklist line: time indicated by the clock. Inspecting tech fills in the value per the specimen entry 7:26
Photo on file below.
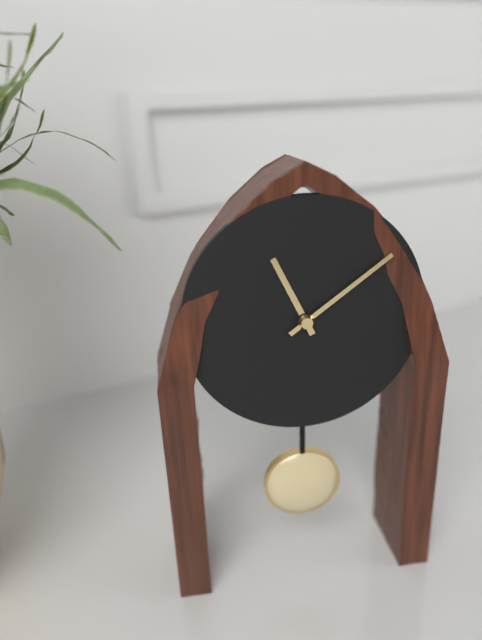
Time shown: 11:09
